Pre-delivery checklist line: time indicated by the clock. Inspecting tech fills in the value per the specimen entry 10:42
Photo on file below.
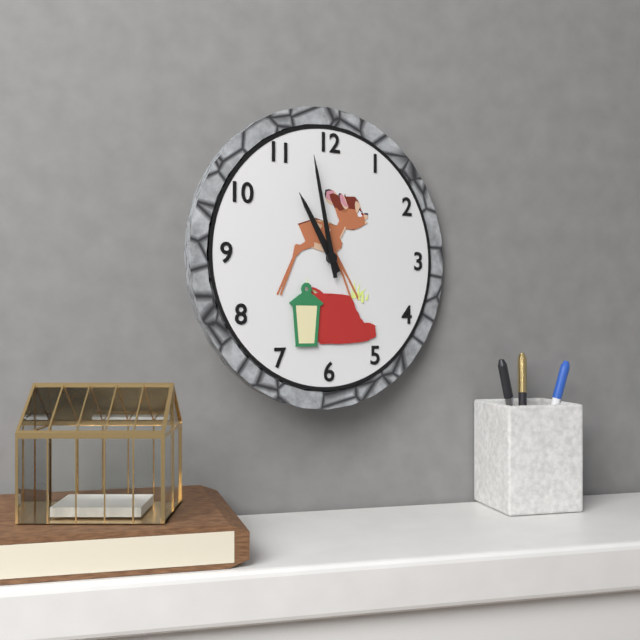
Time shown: 10:58
